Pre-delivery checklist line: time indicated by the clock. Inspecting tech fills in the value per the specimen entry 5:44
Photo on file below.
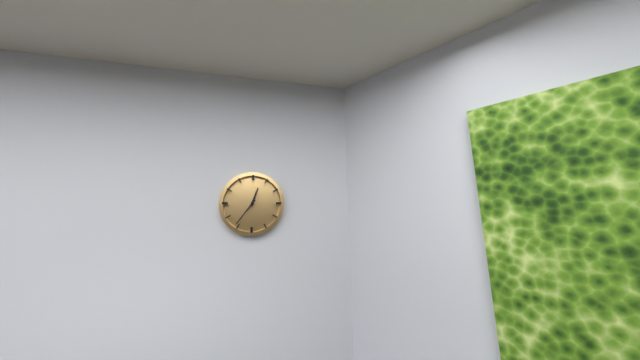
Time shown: 12:36
